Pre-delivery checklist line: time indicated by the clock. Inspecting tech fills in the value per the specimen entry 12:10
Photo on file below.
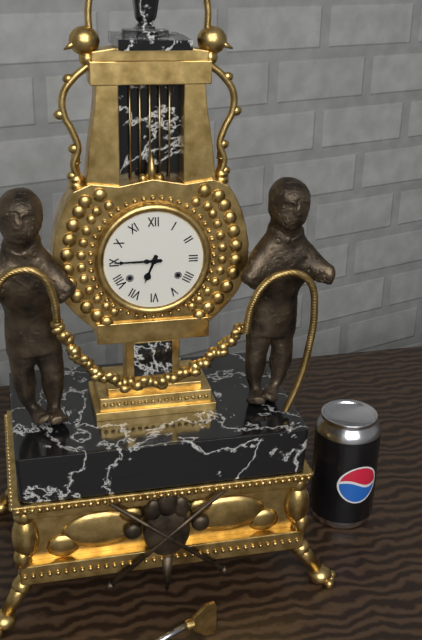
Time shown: 6:45
